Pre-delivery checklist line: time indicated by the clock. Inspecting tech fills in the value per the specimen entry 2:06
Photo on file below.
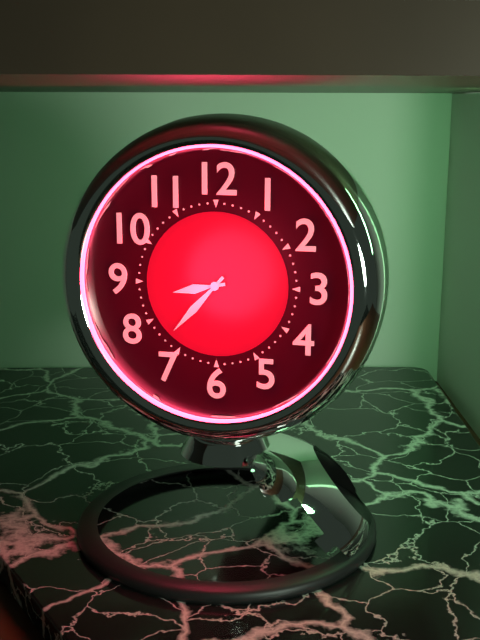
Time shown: 8:37
